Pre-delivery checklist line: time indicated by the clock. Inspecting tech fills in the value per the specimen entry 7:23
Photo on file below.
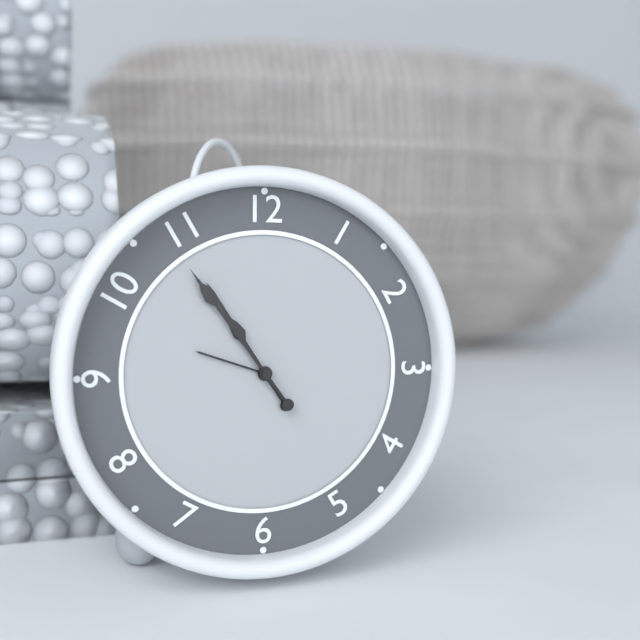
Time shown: 10:54
